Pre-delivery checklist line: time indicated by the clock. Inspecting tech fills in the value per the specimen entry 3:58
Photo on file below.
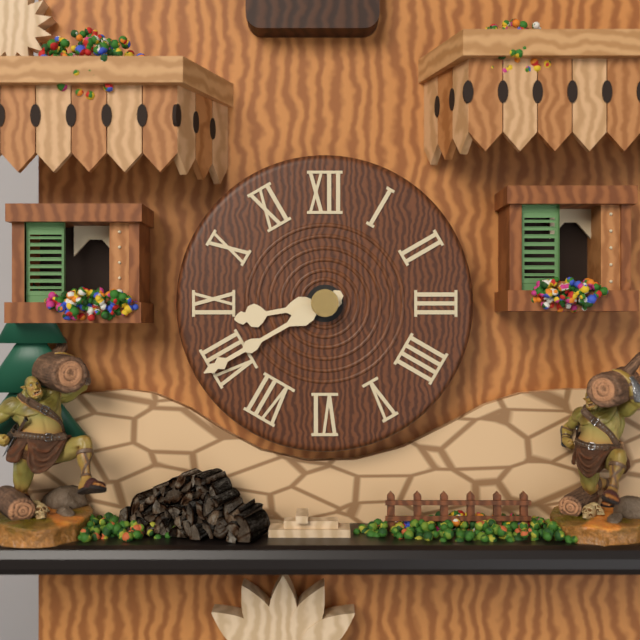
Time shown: 8:40
